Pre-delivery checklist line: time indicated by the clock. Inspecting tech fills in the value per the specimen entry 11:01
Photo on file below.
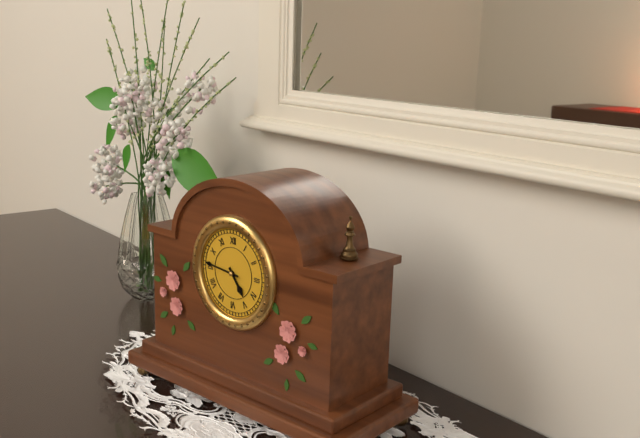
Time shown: 4:46
